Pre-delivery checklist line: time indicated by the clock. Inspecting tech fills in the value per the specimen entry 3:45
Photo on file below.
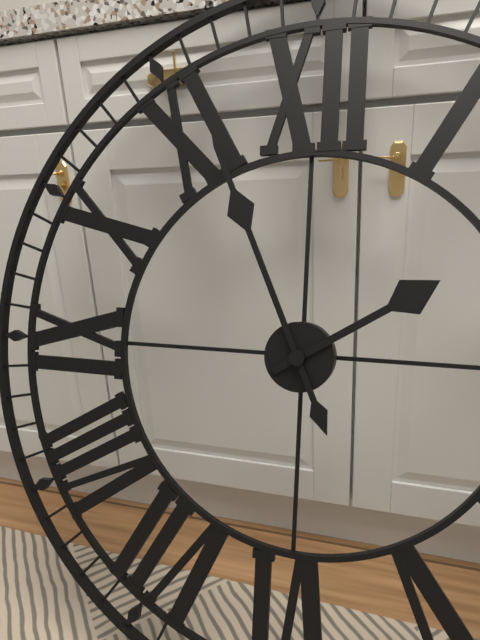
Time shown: 1:56
